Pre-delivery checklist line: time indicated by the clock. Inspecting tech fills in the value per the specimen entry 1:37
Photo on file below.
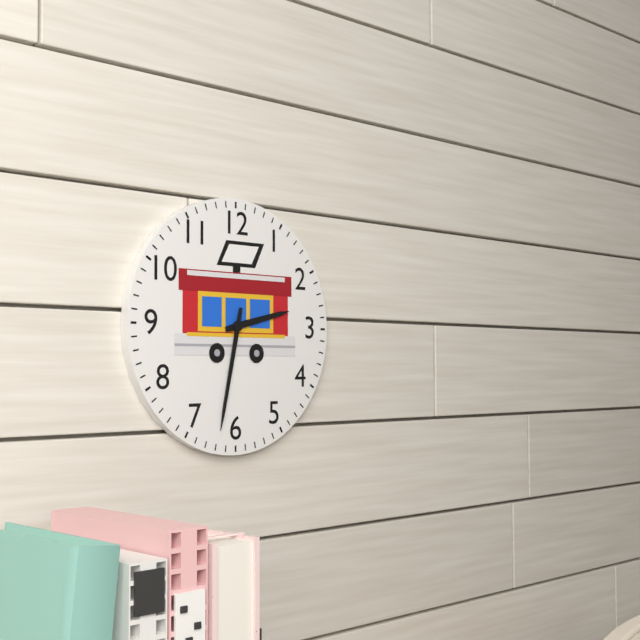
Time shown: 2:32
